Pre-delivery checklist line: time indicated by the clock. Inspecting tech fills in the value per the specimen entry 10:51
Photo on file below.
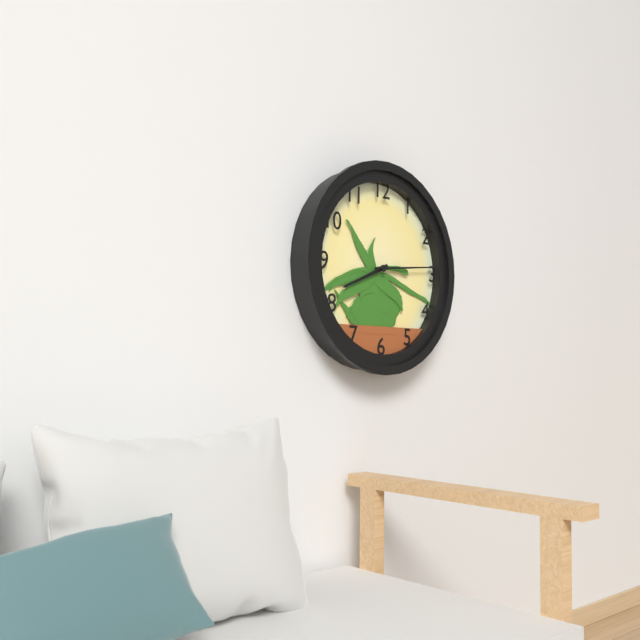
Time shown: 8:14
